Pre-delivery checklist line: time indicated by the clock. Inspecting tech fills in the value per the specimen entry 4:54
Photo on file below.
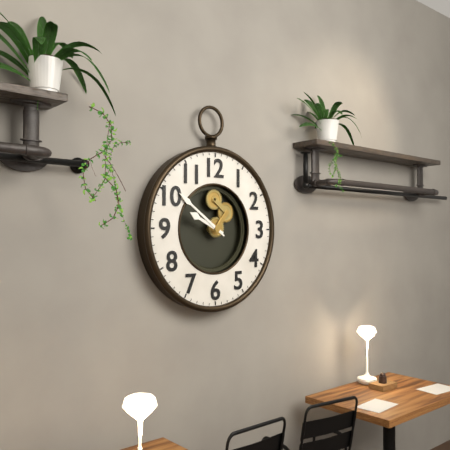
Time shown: 9:51
